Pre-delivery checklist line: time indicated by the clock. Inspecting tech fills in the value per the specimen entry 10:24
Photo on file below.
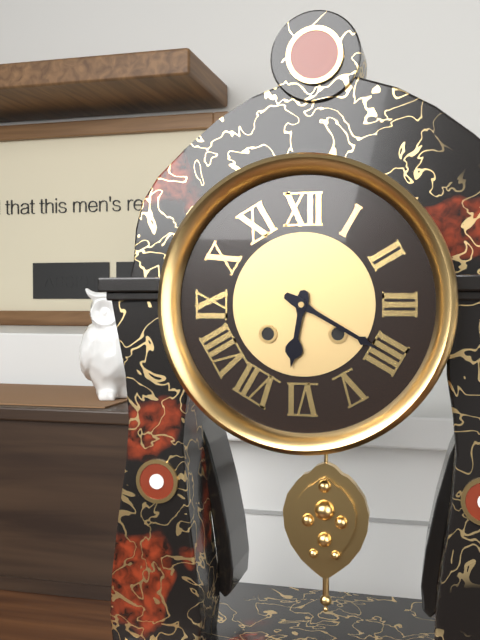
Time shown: 6:20
